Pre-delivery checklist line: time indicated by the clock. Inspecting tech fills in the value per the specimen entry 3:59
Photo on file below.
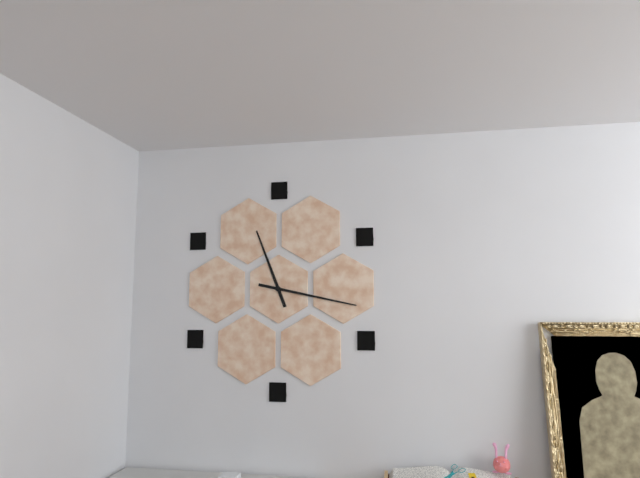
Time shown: 11:17
